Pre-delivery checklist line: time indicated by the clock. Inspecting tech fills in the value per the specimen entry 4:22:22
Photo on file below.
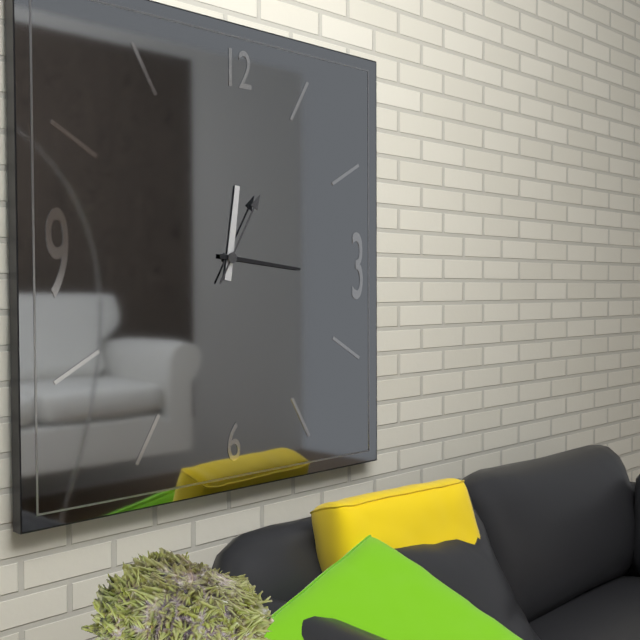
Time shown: 12:16:05
